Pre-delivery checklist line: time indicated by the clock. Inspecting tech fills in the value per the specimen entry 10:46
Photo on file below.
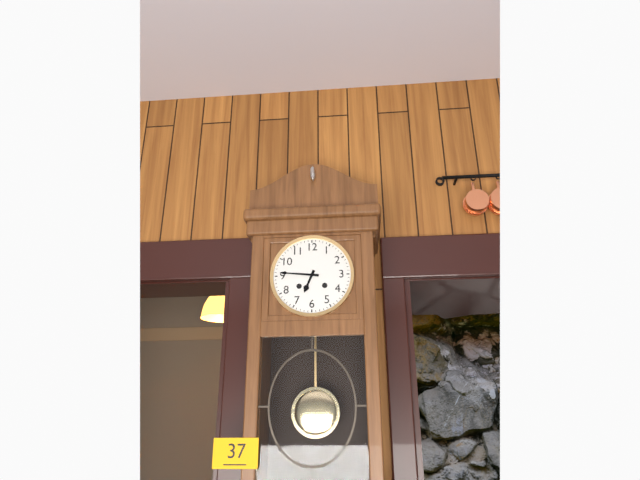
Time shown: 6:46
